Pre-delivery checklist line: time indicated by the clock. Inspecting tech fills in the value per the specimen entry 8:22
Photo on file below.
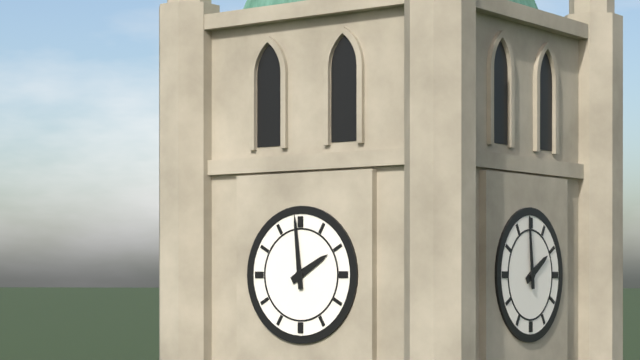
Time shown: 1:59
